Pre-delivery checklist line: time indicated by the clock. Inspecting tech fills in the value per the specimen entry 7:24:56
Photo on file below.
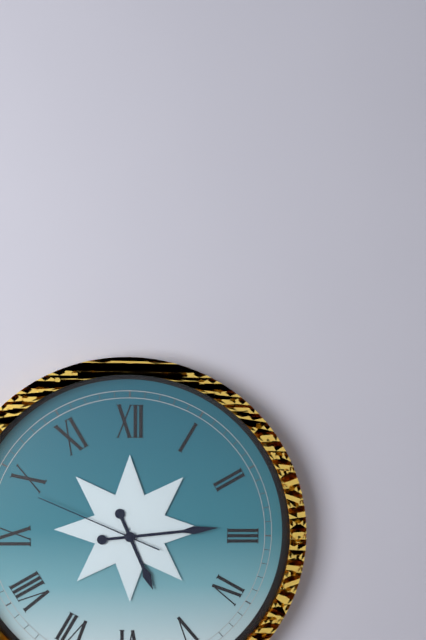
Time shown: 5:14:49
